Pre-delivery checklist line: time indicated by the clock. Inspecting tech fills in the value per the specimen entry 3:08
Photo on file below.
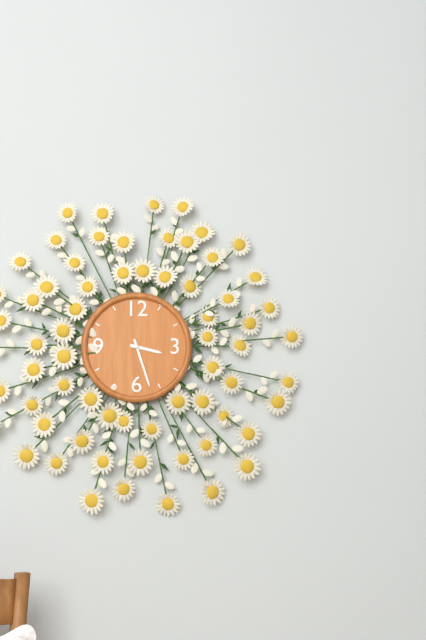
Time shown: 3:27
